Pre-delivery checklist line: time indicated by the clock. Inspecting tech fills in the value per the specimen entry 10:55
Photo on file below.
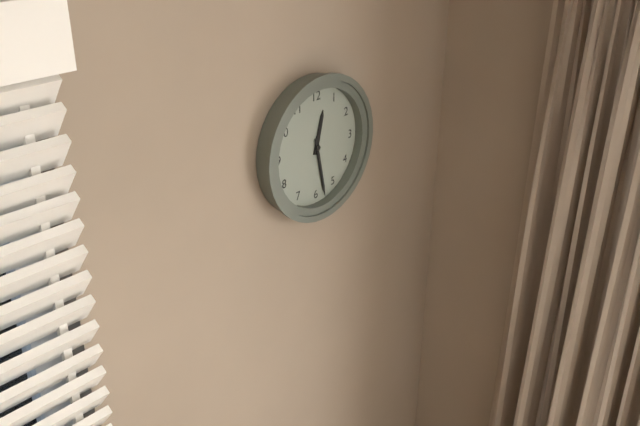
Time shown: 12:28
